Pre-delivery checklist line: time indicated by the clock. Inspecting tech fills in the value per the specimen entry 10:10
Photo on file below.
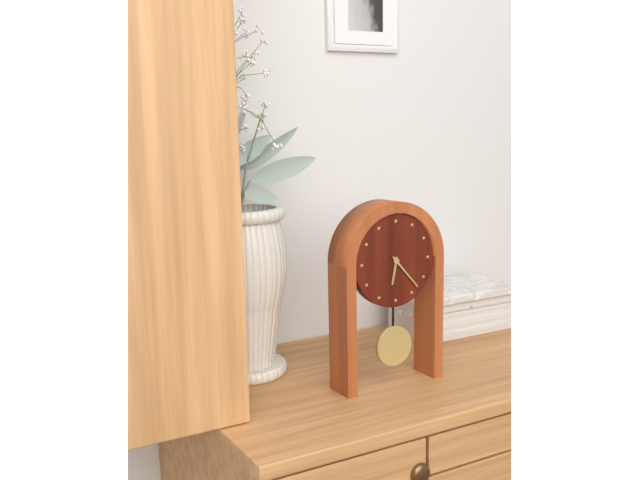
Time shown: 6:23
